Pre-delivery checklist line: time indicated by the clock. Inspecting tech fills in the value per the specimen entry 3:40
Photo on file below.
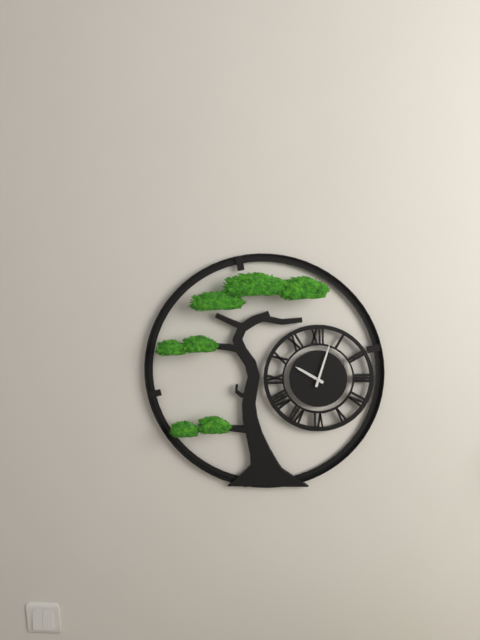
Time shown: 10:03
